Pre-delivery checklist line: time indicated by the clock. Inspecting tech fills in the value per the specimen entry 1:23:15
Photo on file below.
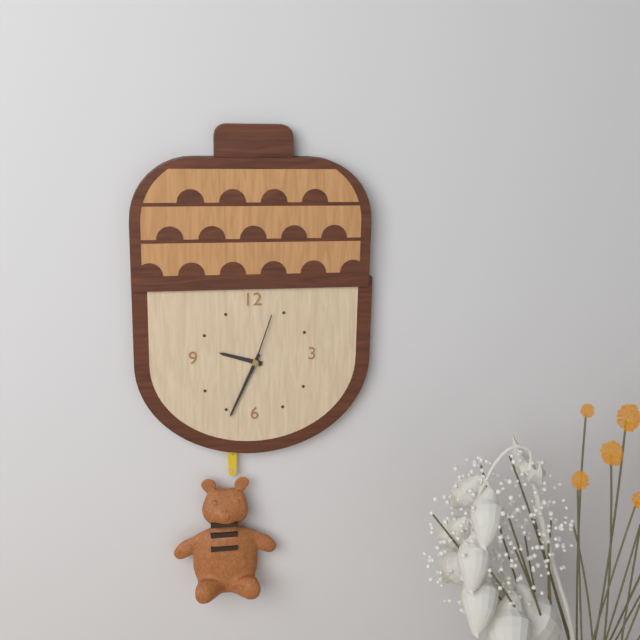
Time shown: 9:34:03
